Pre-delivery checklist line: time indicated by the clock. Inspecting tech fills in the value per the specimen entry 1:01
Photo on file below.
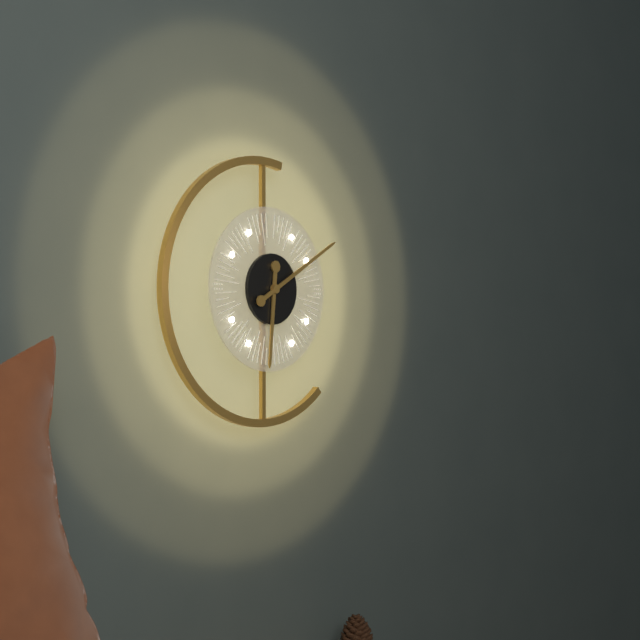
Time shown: 6:10
